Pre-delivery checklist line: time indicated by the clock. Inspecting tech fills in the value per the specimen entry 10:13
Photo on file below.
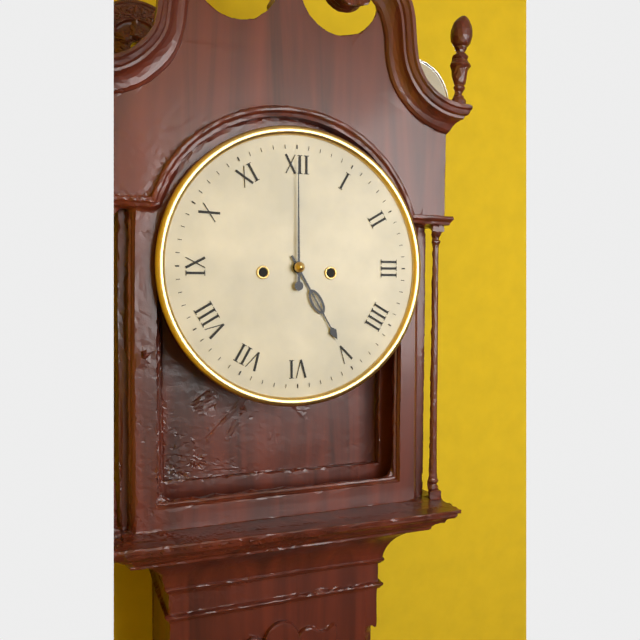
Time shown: 5:00
